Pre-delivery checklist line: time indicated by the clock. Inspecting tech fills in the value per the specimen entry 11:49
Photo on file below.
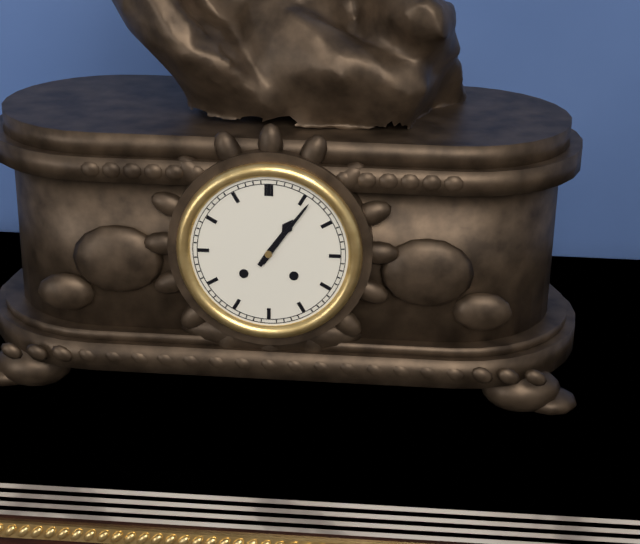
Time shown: 1:06
